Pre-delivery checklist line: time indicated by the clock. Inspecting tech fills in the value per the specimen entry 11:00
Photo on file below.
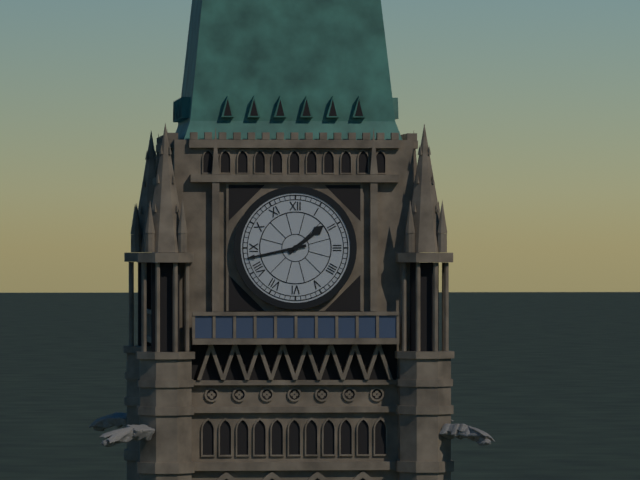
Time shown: 1:43
